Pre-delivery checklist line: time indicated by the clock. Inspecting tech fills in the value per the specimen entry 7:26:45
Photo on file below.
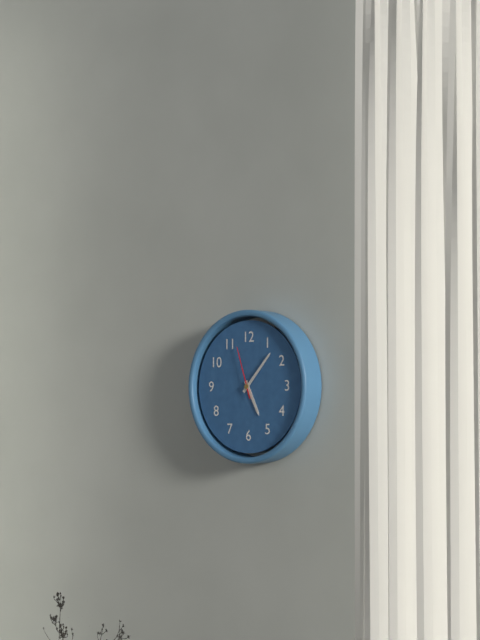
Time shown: 5:07:57
